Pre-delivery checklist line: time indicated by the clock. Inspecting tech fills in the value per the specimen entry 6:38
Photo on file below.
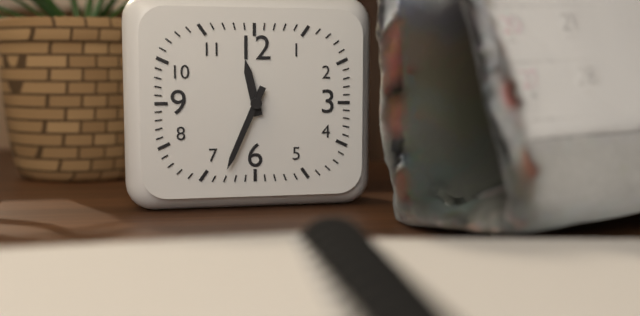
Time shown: 11:34
